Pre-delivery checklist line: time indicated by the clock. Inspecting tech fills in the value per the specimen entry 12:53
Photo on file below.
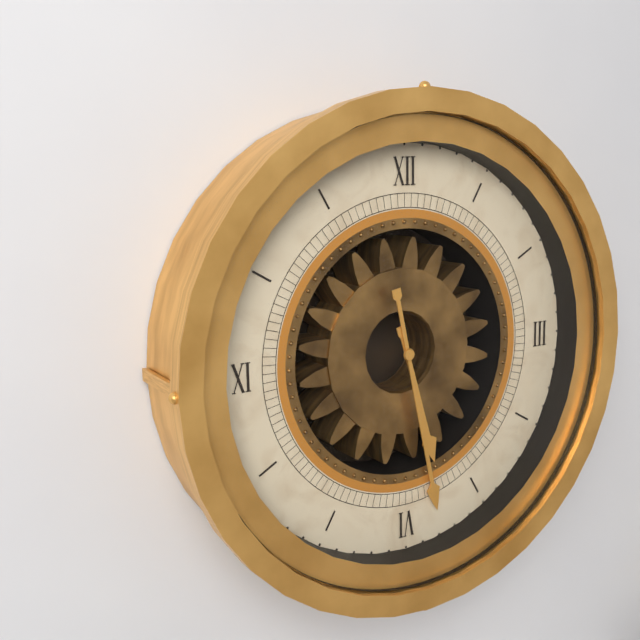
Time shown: 5:28
